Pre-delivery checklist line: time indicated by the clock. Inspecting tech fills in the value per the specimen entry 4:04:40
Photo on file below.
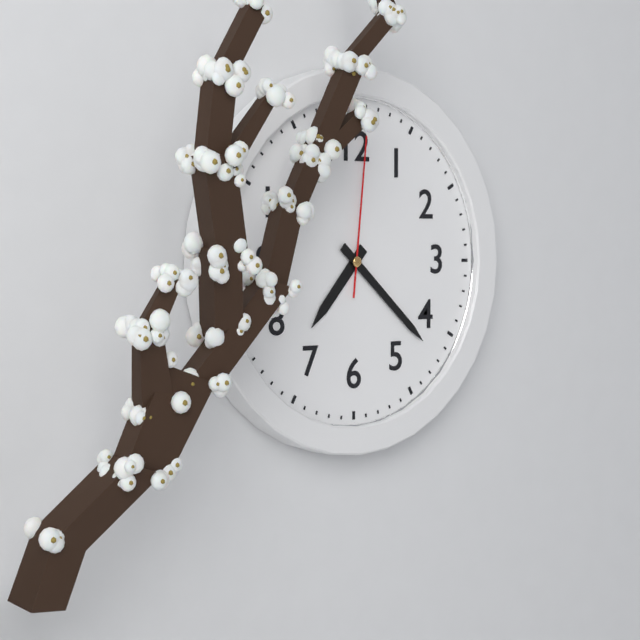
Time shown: 7:22:01
